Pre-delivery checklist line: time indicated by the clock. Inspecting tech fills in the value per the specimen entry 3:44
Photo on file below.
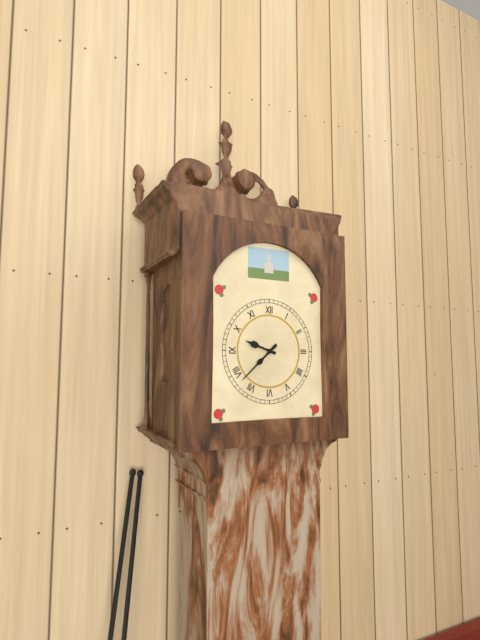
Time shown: 9:38
